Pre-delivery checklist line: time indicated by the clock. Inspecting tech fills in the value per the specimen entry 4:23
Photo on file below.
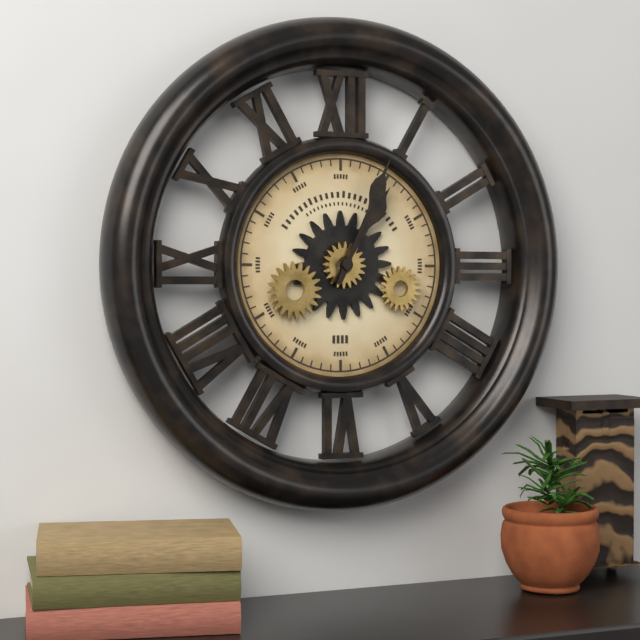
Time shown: 1:04
